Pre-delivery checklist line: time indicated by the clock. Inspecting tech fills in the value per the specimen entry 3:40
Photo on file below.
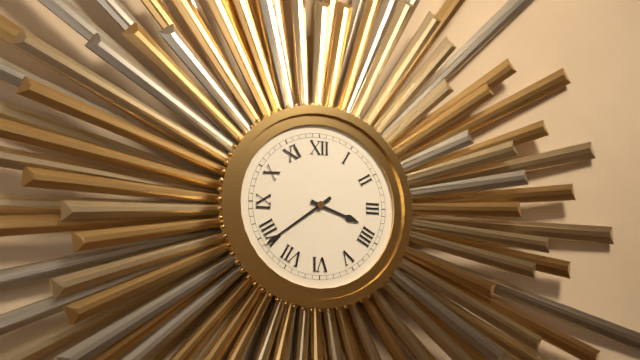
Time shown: 3:39
